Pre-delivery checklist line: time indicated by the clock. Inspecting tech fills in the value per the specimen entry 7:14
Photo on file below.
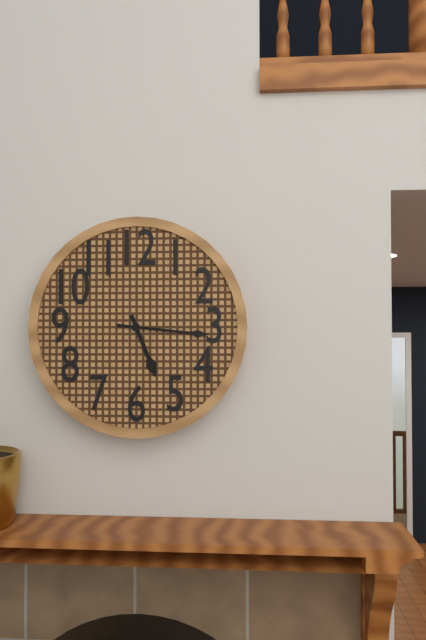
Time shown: 5:16
